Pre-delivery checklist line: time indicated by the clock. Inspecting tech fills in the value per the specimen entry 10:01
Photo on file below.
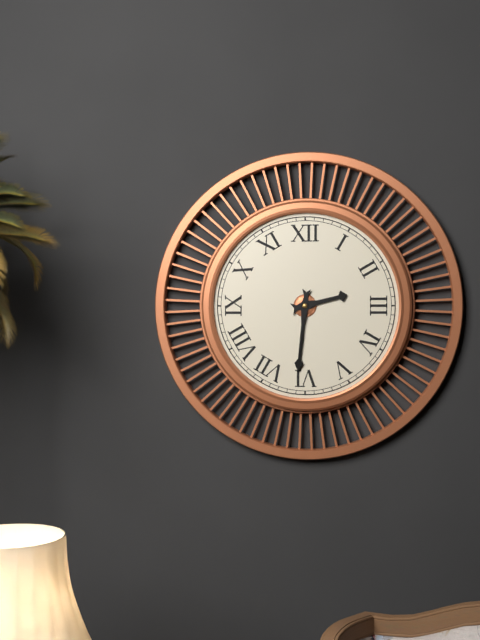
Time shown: 2:31
